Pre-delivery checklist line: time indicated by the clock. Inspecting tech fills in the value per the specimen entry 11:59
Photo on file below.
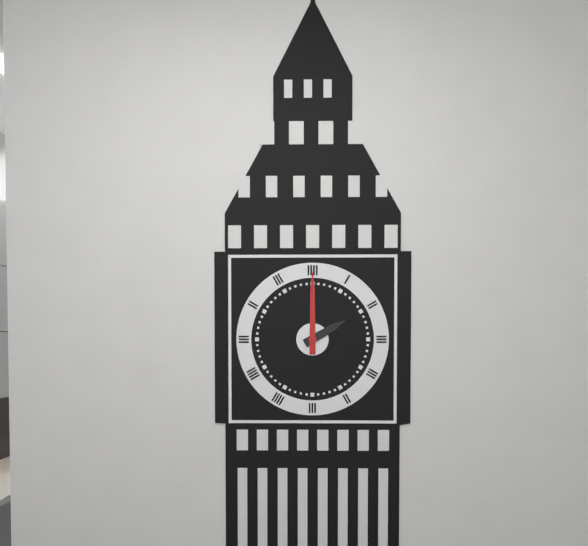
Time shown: 2:00
